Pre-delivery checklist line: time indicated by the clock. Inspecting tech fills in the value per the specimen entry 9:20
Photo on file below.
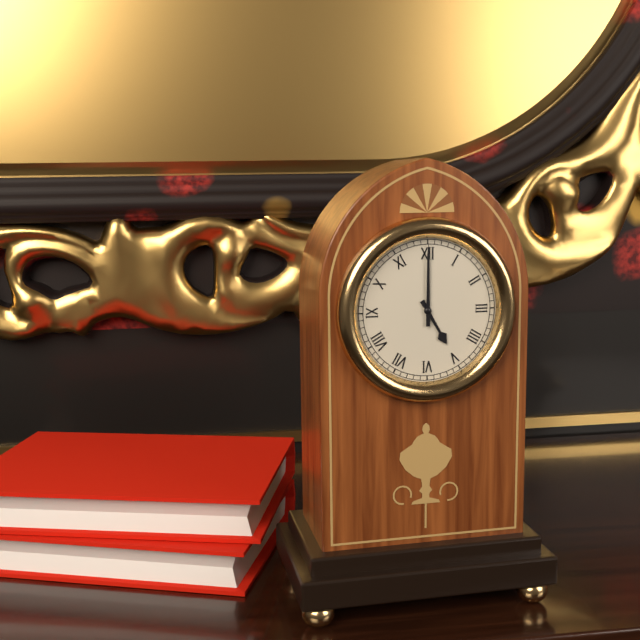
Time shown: 5:00
